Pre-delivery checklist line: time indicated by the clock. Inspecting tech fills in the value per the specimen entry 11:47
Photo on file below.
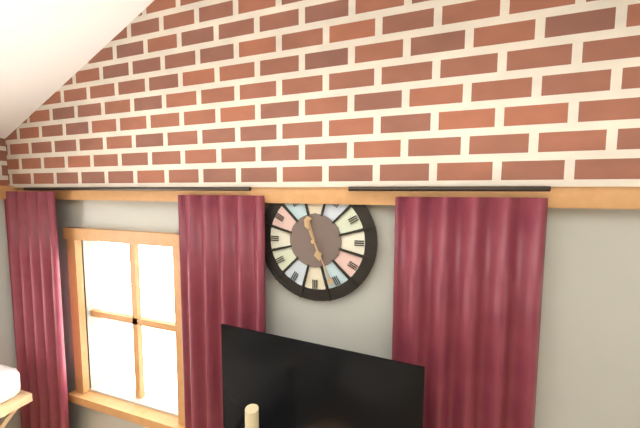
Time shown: 11:26
